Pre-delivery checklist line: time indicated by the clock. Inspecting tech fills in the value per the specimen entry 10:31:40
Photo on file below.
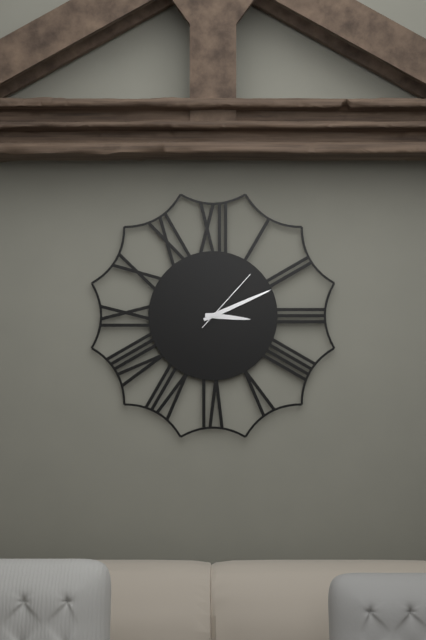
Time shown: 3:11:07
